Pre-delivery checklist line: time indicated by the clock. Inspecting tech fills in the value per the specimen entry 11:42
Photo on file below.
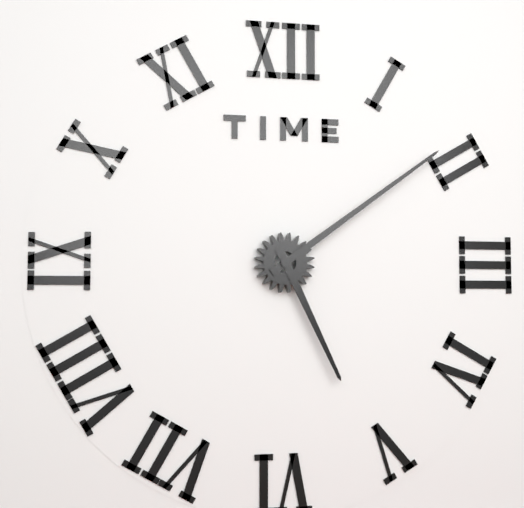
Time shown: 5:09
